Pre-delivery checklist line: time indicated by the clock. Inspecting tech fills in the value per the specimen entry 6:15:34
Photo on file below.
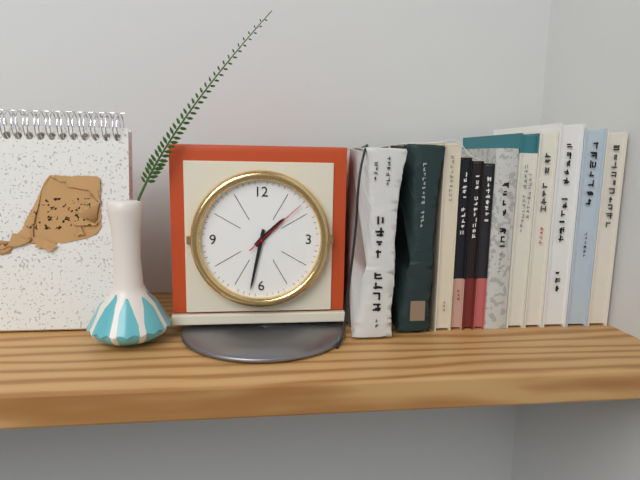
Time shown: 1:32:08
